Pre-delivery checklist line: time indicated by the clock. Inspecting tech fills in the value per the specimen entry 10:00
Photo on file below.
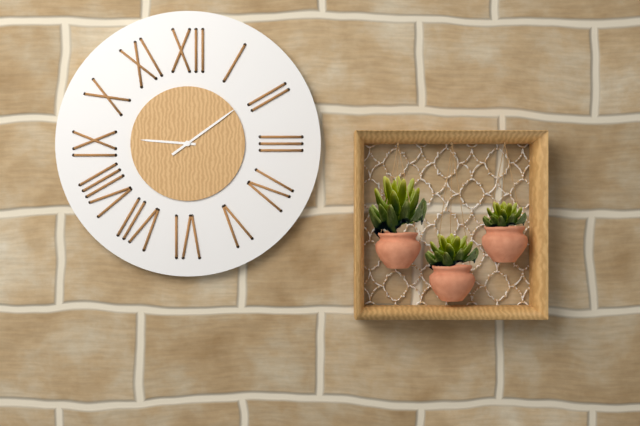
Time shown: 9:09
